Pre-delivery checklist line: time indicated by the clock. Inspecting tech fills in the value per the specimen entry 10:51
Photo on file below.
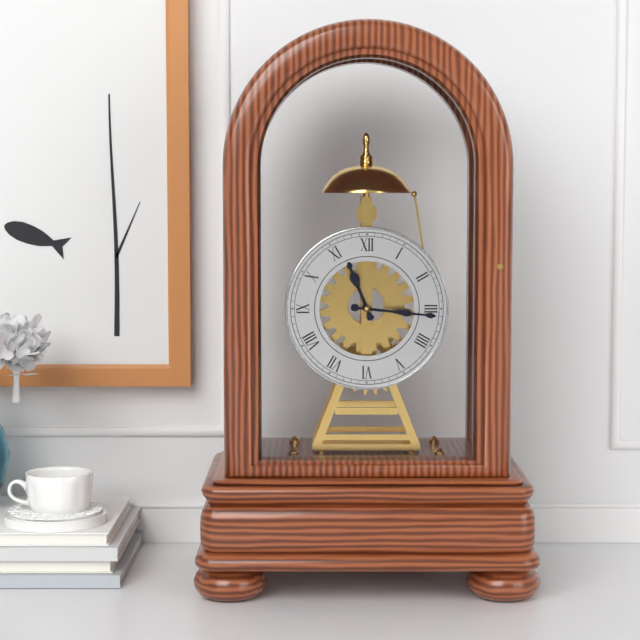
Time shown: 11:16
